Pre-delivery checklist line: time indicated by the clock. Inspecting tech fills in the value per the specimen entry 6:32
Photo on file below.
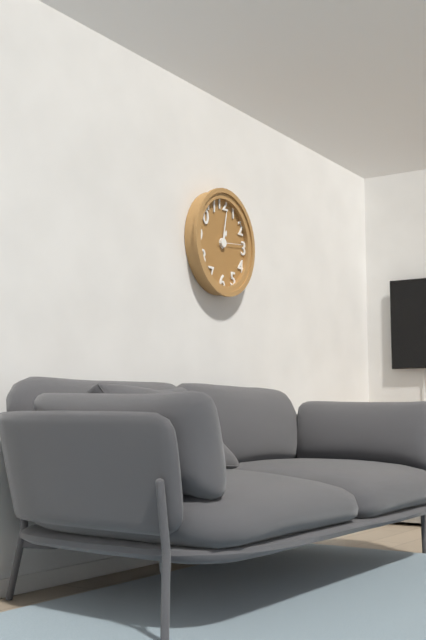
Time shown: 1:02
